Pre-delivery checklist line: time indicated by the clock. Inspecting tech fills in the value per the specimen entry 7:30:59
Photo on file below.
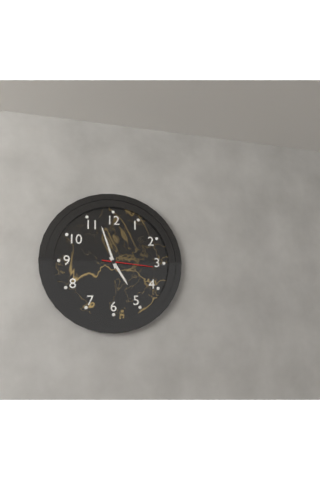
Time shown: 4:57:16
